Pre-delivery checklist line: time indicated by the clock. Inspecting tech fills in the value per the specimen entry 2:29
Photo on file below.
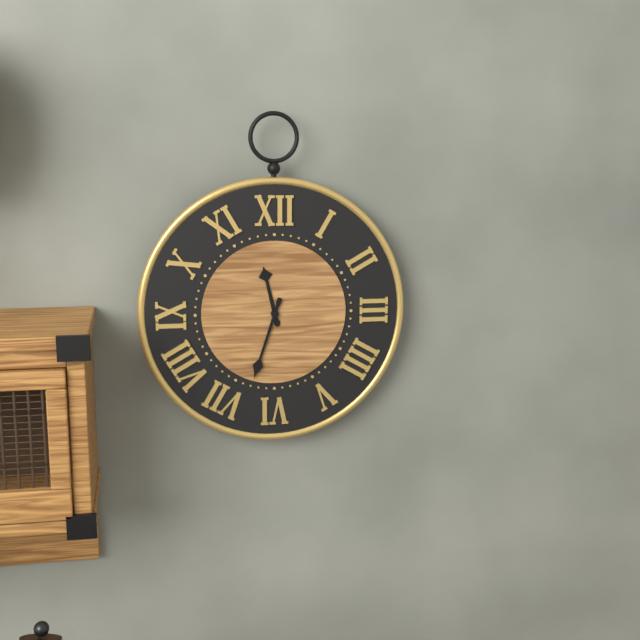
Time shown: 11:33
